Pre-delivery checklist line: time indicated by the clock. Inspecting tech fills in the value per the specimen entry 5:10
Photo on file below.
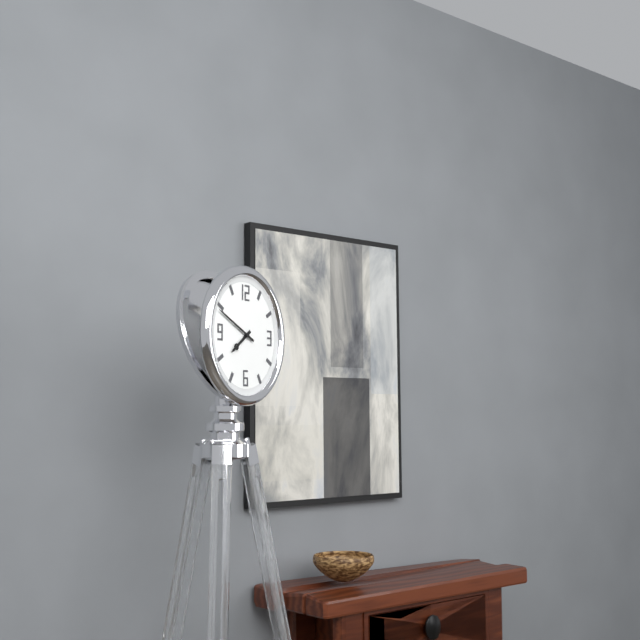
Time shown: 7:49
